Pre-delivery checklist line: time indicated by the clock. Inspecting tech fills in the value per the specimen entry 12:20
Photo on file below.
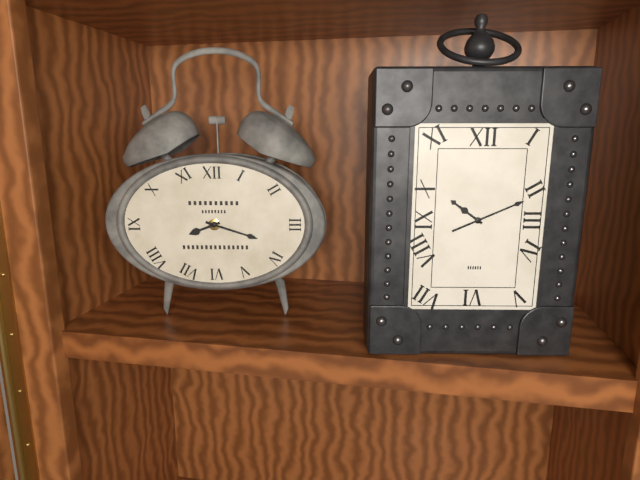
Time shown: 8:18
